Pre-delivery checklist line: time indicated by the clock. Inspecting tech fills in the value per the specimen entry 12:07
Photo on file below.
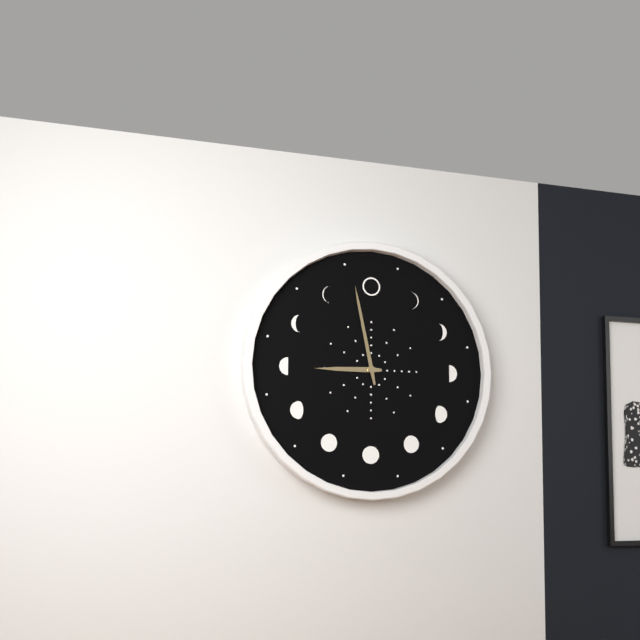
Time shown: 8:58
